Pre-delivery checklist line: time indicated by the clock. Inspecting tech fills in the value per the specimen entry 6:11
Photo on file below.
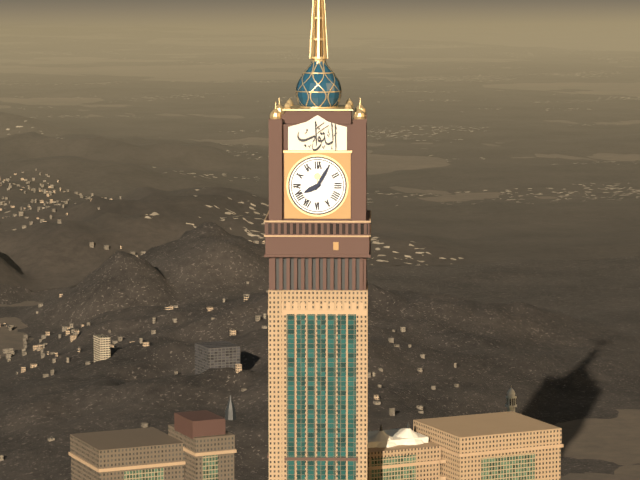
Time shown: 8:05
